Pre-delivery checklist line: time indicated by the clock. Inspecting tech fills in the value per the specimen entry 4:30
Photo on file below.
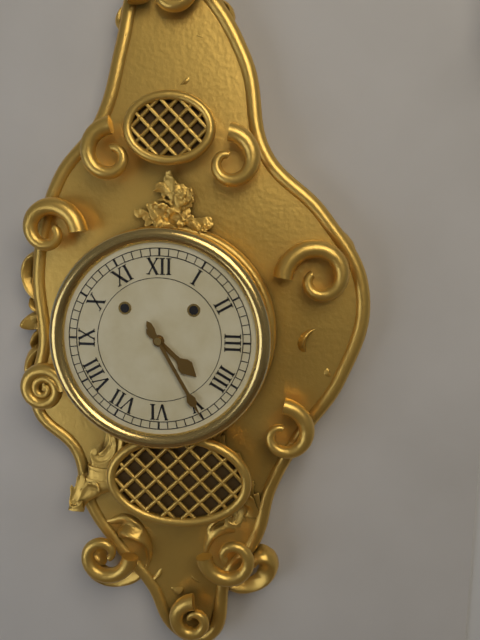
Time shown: 4:25
